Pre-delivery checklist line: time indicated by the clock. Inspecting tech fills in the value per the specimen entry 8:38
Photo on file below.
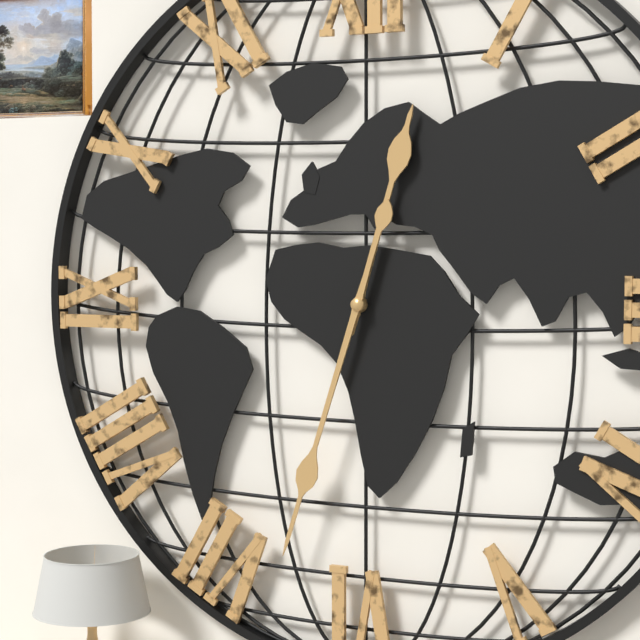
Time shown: 12:33
